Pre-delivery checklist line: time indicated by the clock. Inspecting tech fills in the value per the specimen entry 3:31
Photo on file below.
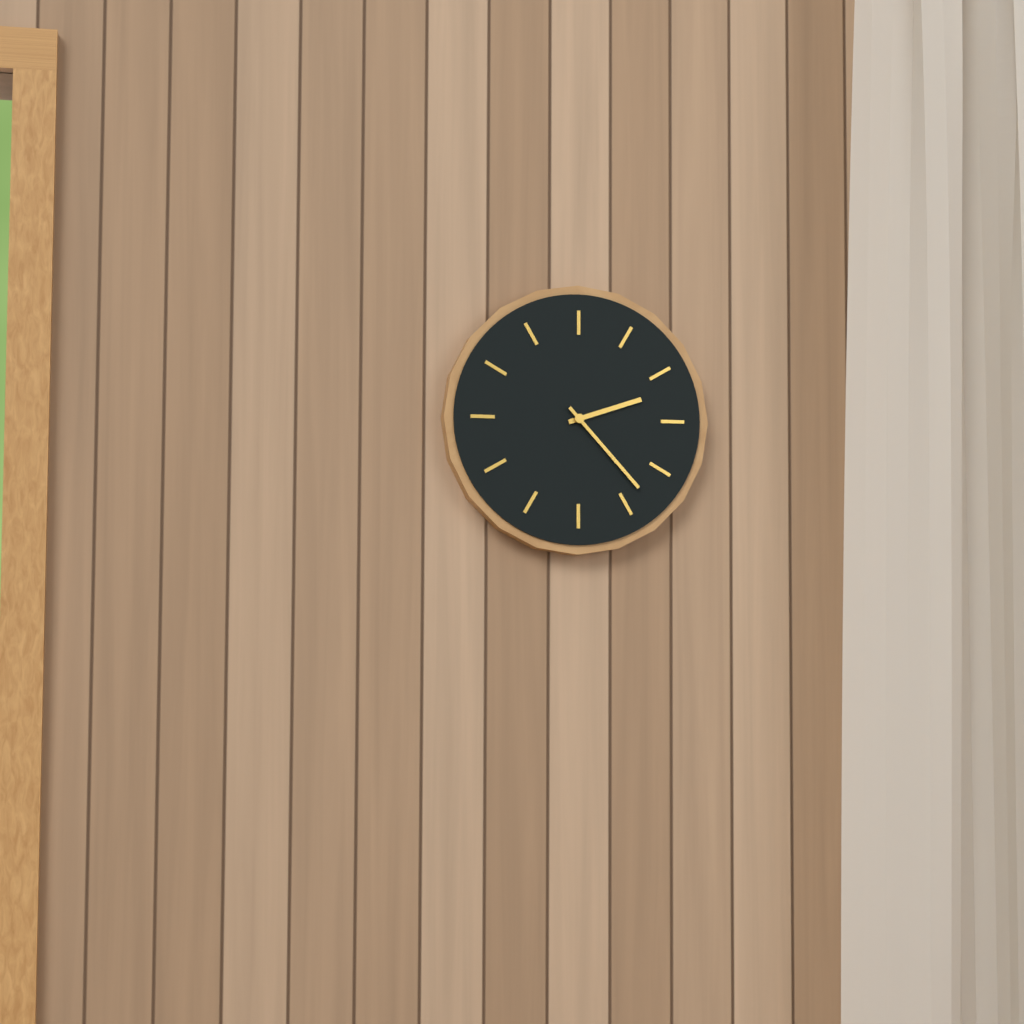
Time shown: 2:23
